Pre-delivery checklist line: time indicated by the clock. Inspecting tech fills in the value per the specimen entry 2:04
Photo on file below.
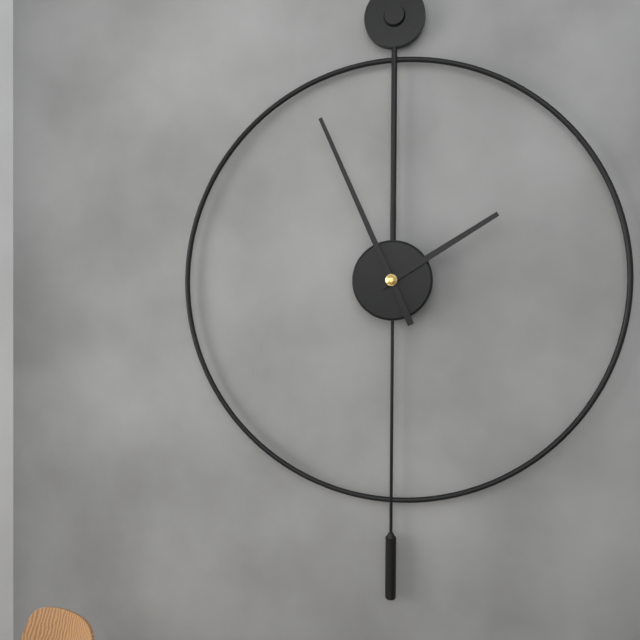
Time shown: 1:56
